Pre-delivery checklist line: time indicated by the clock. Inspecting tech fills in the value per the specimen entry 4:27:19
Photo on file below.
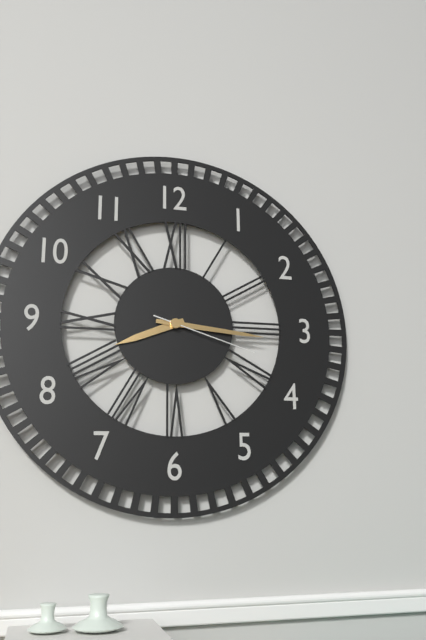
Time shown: 8:16:18
